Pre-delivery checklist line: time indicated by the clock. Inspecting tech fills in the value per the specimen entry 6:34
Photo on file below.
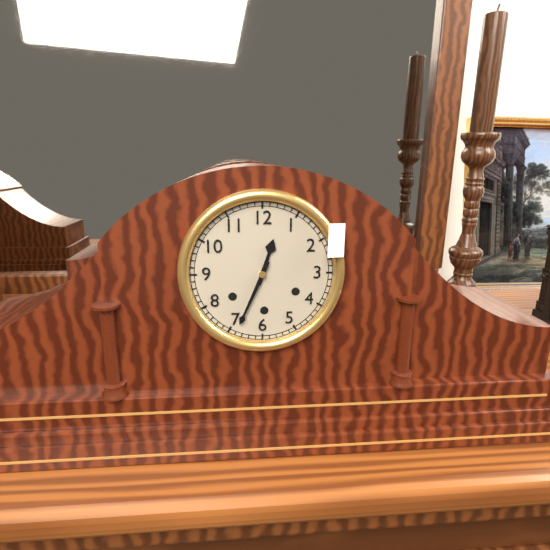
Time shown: 12:34
